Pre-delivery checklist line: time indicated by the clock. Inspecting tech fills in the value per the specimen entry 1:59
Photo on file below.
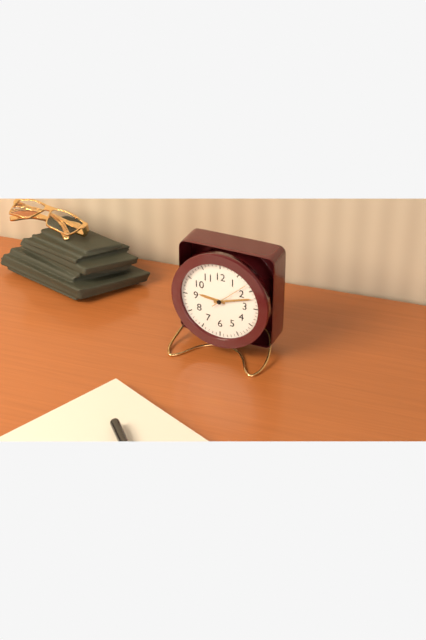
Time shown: 9:12
